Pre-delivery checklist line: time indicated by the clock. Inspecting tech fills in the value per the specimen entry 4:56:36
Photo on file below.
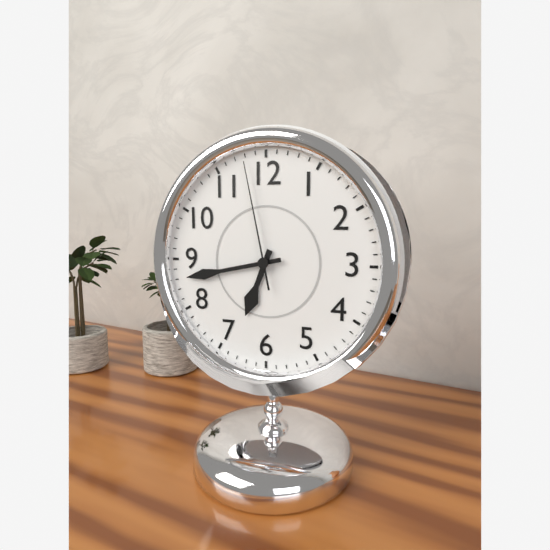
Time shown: 6:43:58
